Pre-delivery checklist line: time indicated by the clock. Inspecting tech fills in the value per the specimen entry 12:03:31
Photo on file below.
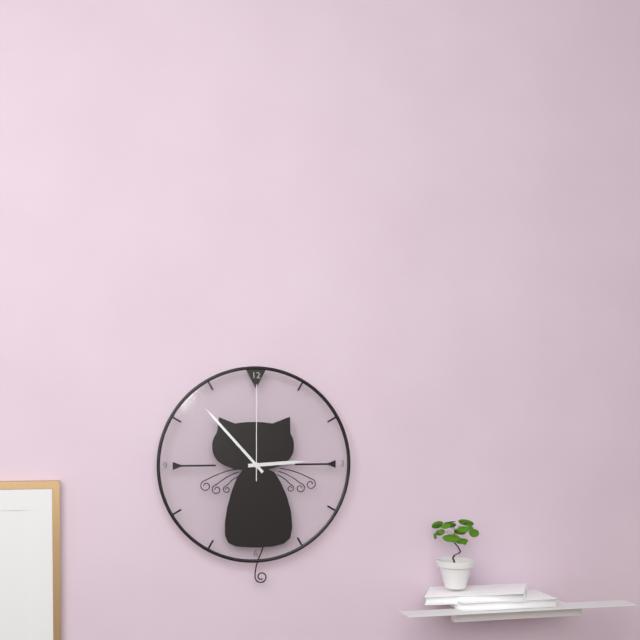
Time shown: 2:53:00
